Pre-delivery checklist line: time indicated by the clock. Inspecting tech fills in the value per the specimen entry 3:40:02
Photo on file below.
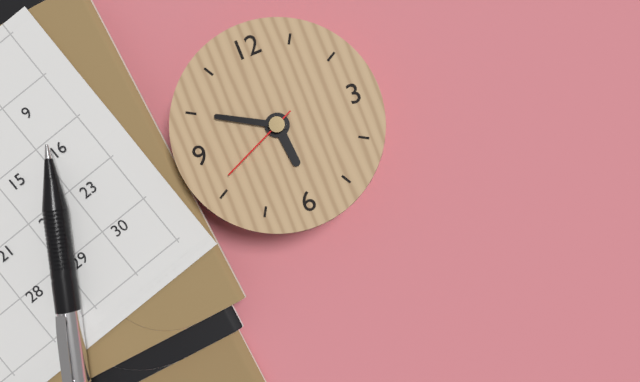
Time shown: 5:50:41
